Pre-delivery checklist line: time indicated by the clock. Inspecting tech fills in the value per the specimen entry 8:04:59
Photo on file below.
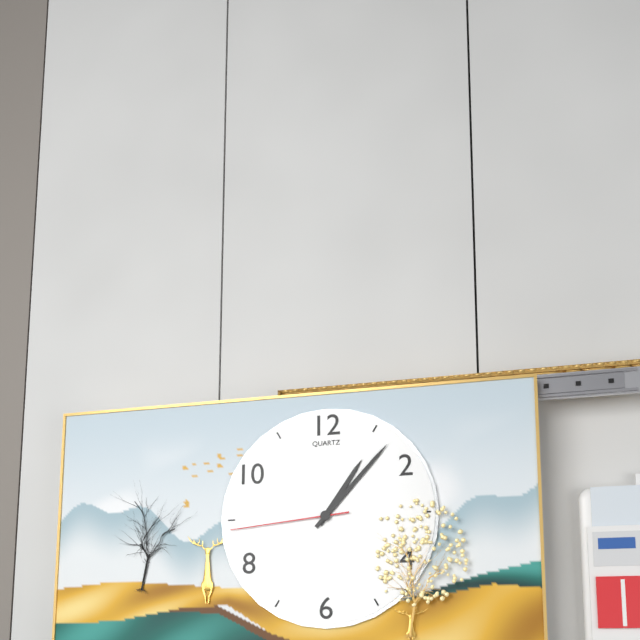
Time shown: 1:07:44
